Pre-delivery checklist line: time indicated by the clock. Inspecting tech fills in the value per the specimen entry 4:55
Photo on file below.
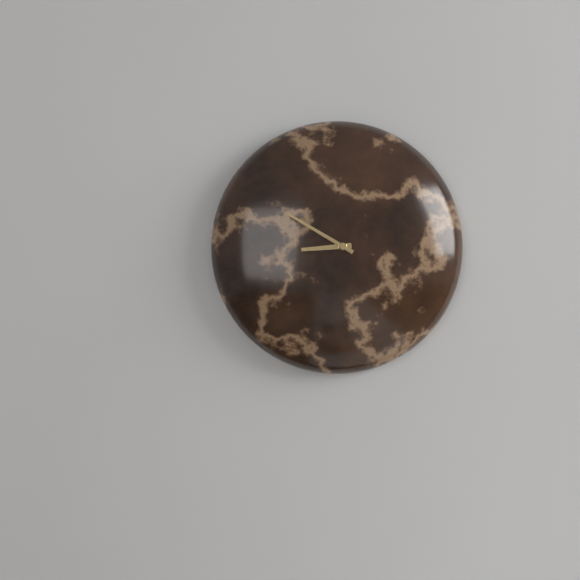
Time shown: 8:50
